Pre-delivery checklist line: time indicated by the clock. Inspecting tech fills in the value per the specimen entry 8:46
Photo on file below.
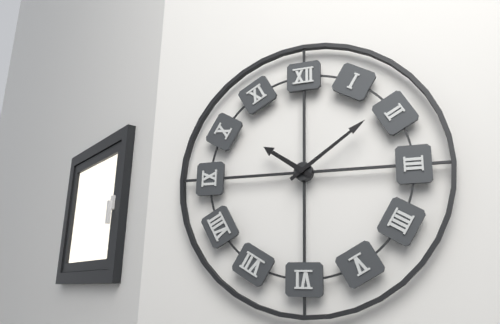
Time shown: 10:09
